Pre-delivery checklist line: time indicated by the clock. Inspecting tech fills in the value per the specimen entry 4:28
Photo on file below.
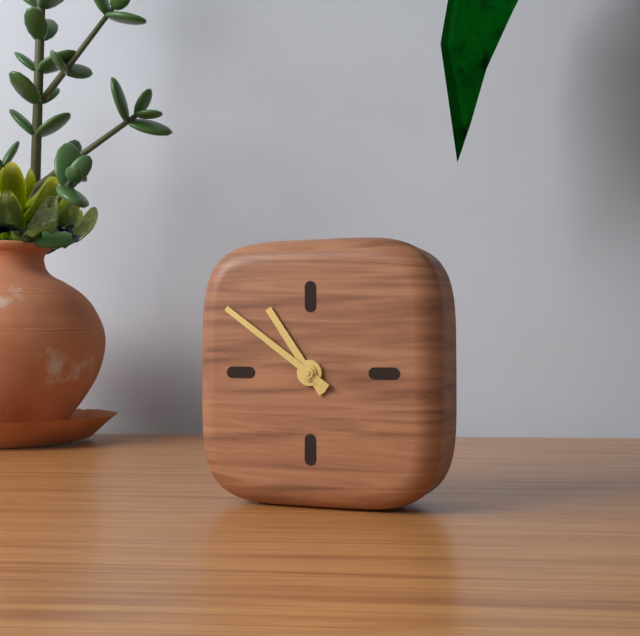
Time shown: 10:51
